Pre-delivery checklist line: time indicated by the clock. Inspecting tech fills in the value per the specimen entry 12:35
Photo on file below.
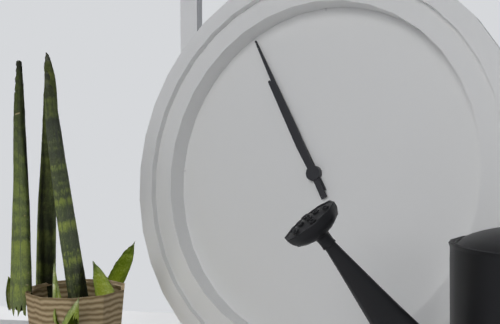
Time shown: 10:55
